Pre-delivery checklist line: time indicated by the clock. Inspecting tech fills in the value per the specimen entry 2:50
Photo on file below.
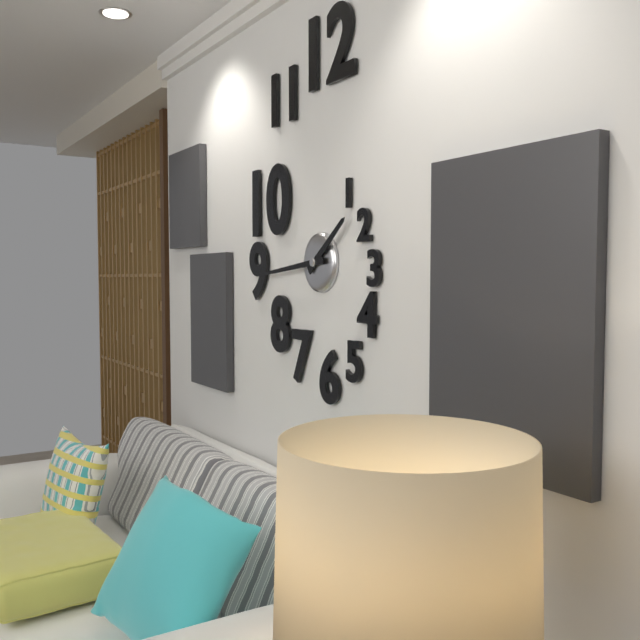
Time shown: 1:44
